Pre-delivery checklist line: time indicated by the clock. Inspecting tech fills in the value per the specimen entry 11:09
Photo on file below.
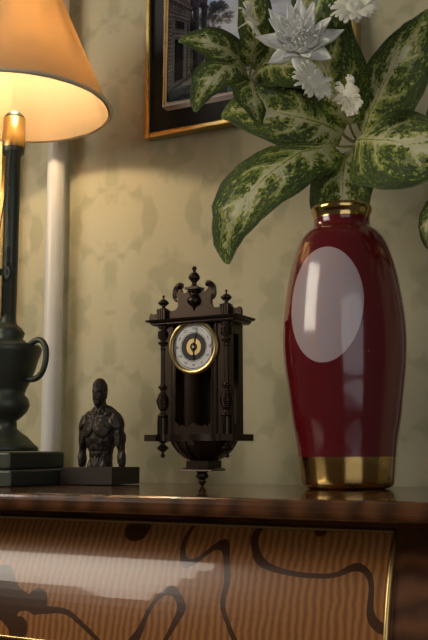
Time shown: 6:02
